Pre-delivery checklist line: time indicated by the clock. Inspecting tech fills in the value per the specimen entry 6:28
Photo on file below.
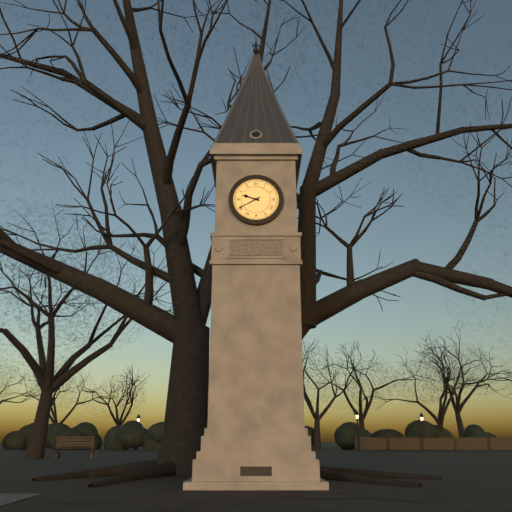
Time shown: 9:40
